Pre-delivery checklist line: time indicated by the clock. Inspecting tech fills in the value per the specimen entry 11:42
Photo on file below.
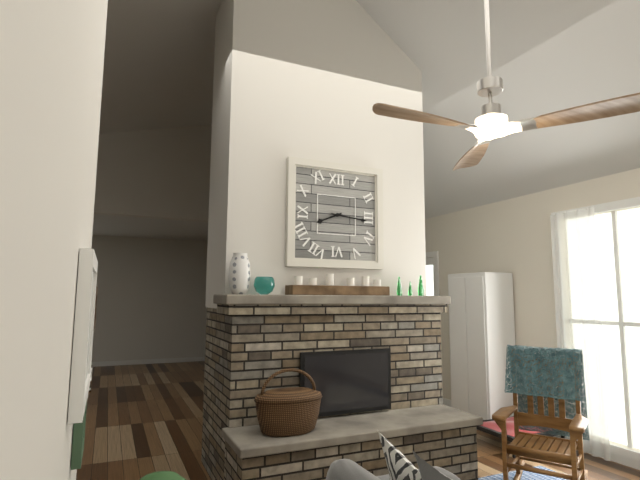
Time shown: 8:16
